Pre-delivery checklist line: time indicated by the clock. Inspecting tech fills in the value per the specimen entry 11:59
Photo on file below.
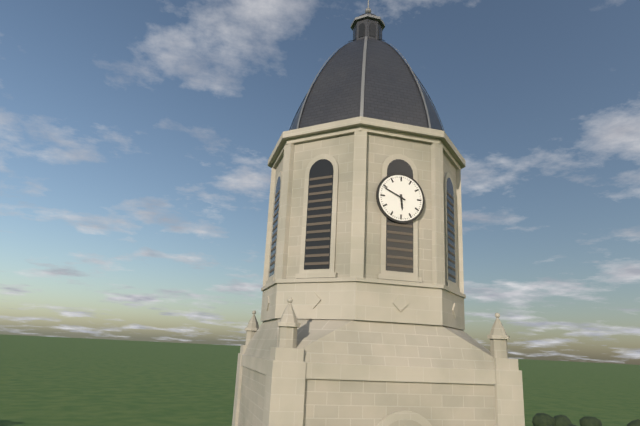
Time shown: 5:49
